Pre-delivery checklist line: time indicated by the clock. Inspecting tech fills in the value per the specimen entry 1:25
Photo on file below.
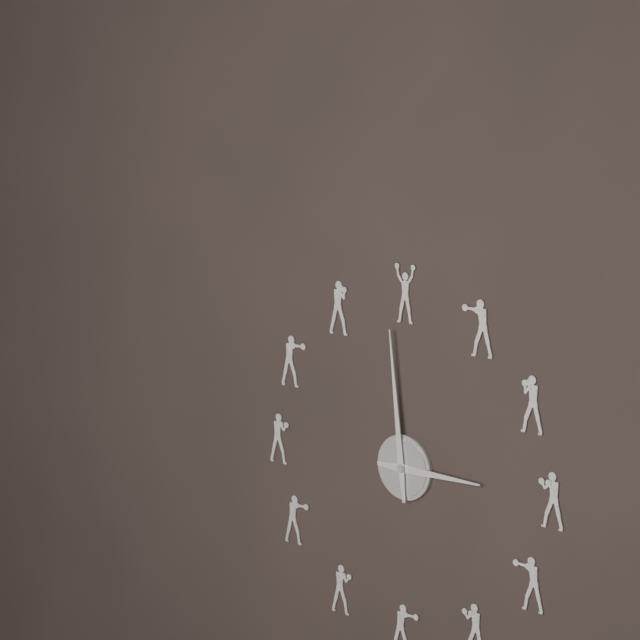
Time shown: 2:59
